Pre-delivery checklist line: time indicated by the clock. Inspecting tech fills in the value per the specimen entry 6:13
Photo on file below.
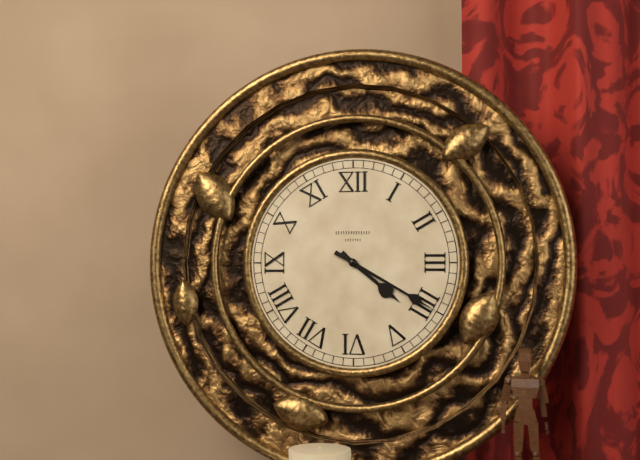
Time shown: 4:20
